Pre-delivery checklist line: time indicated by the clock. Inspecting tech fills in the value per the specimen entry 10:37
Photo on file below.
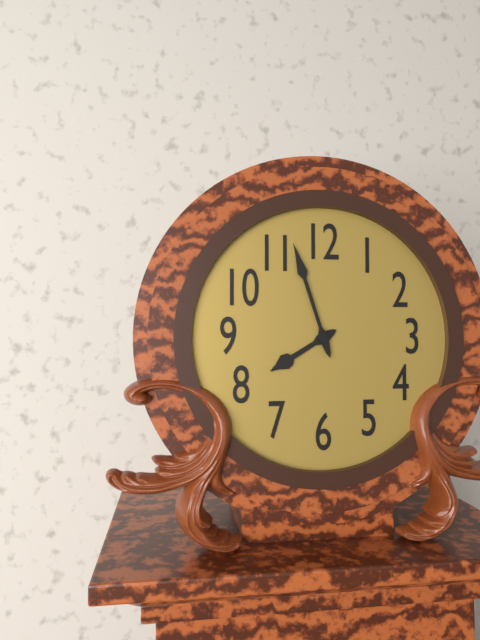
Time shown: 7:57
